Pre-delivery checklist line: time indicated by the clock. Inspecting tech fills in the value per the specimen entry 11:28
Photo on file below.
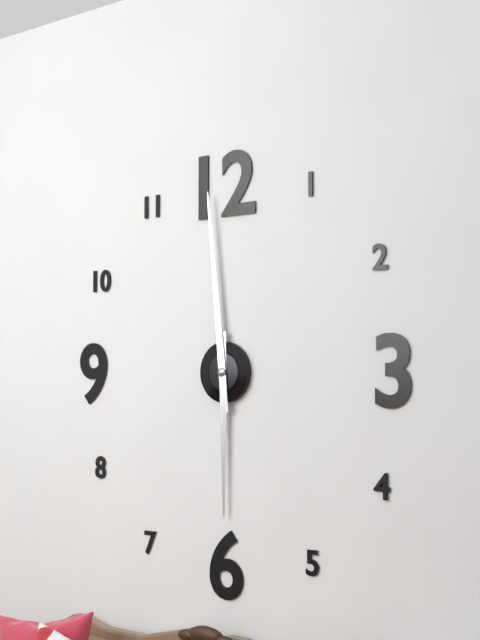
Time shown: 5:59
